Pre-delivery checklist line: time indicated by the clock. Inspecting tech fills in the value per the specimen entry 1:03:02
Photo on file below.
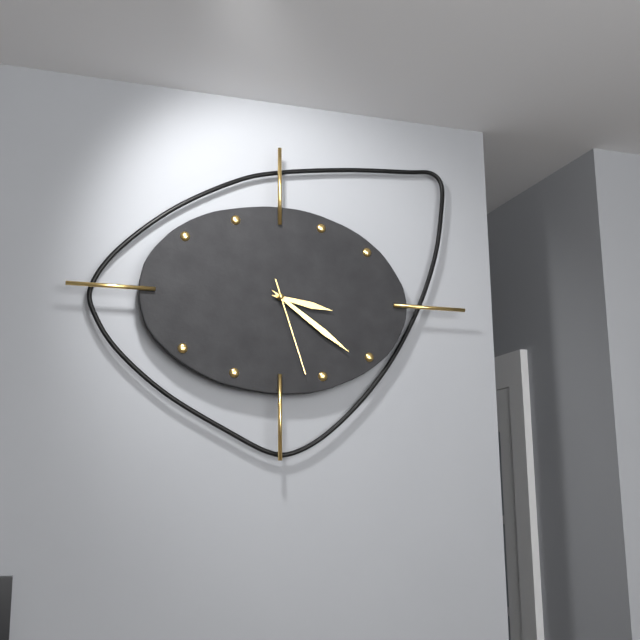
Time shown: 3:21:27
